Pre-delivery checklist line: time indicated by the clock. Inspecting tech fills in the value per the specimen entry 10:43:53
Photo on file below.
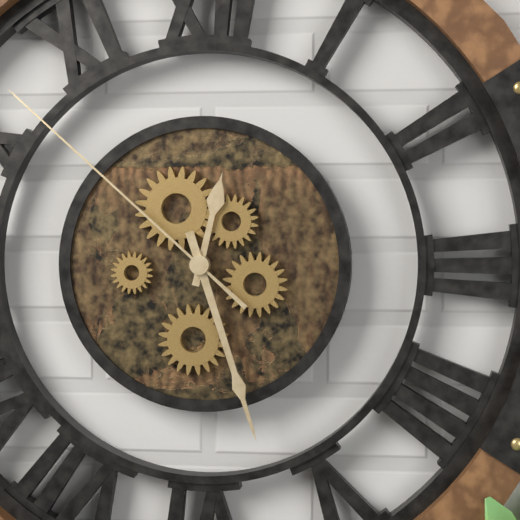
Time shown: 12:27:52
